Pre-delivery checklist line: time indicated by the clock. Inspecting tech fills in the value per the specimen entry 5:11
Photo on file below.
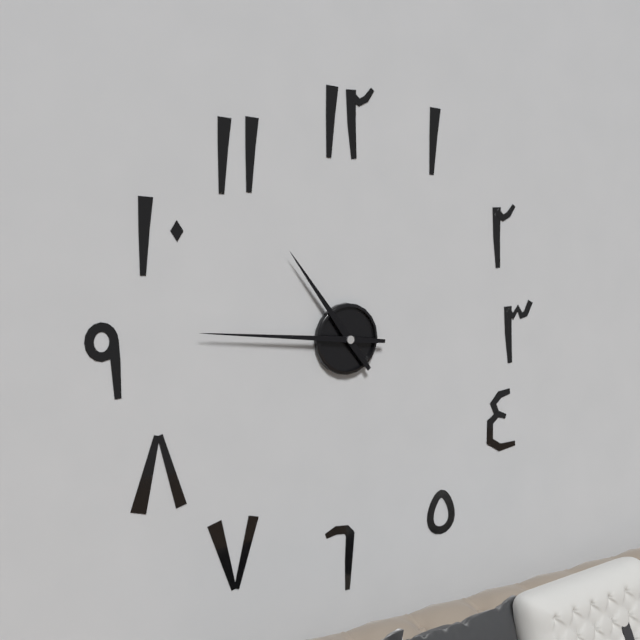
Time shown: 10:46
